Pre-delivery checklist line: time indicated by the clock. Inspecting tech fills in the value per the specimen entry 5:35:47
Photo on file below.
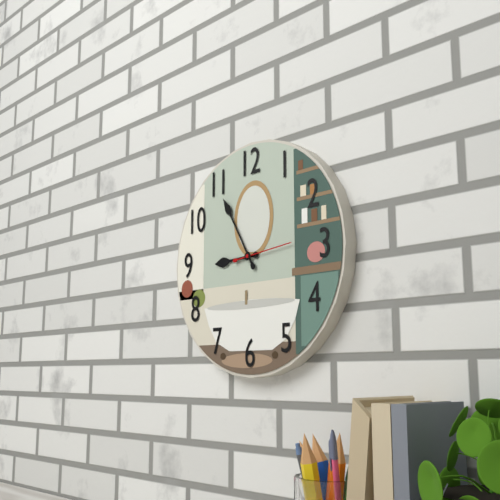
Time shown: 8:55:14
